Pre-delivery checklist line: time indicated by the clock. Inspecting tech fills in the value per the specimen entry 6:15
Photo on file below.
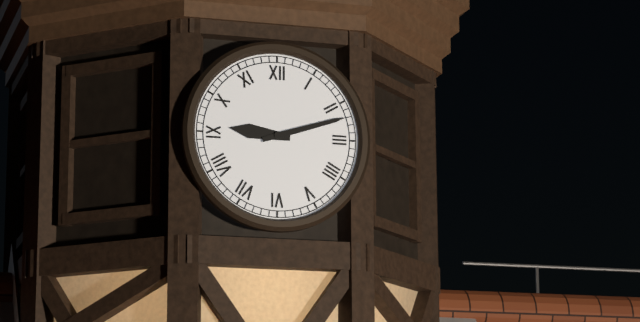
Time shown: 9:12
